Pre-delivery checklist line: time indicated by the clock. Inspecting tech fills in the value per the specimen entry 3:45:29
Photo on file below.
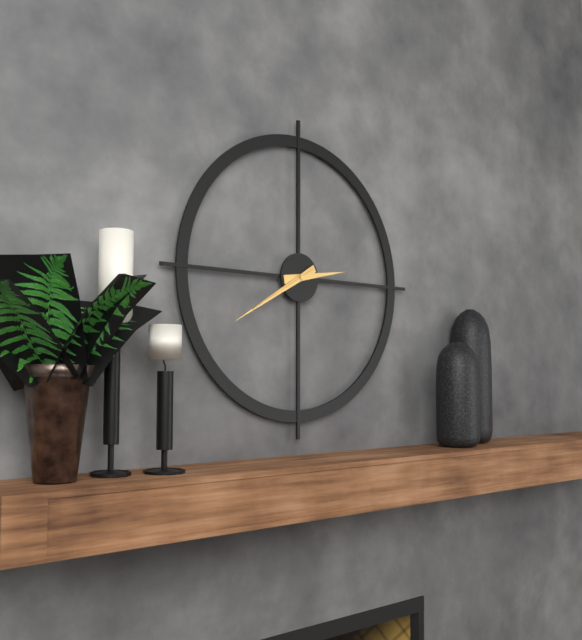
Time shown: 2:40:40
